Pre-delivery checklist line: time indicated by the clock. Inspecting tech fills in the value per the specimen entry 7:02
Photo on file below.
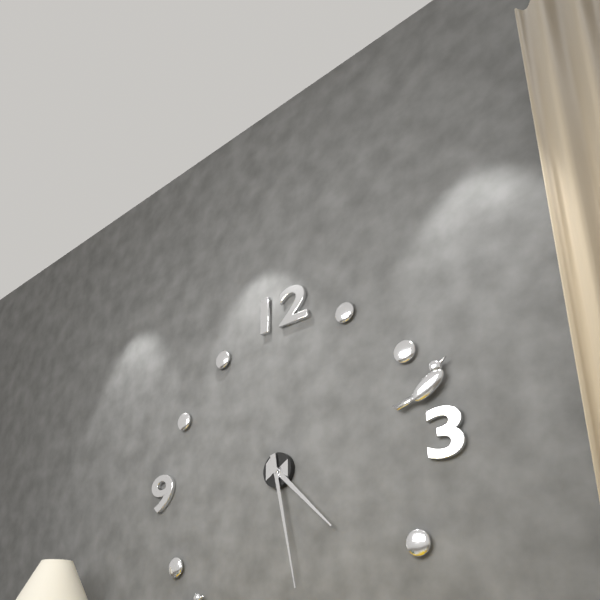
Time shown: 4:28
